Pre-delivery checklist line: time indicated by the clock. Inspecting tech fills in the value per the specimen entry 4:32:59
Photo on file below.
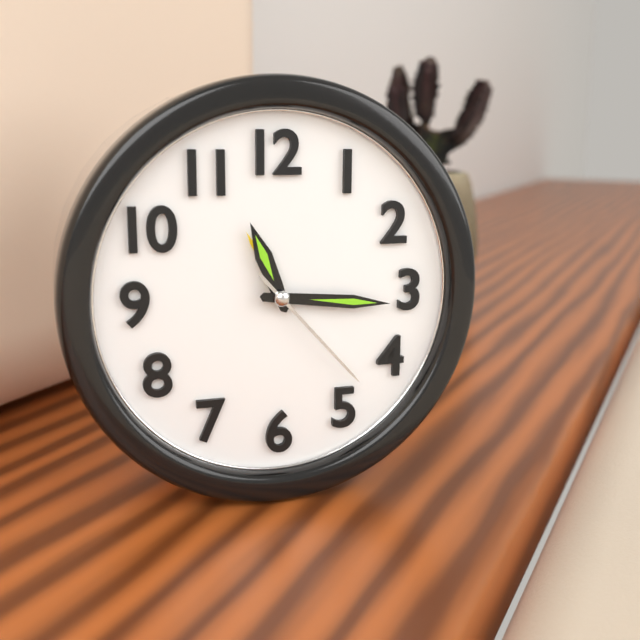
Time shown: 11:16:23
